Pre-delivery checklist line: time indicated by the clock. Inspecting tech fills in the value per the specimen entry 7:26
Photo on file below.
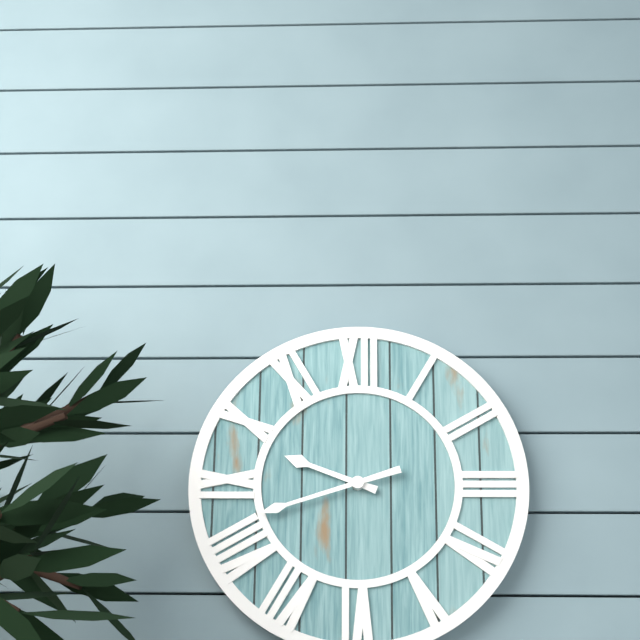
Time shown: 9:42
